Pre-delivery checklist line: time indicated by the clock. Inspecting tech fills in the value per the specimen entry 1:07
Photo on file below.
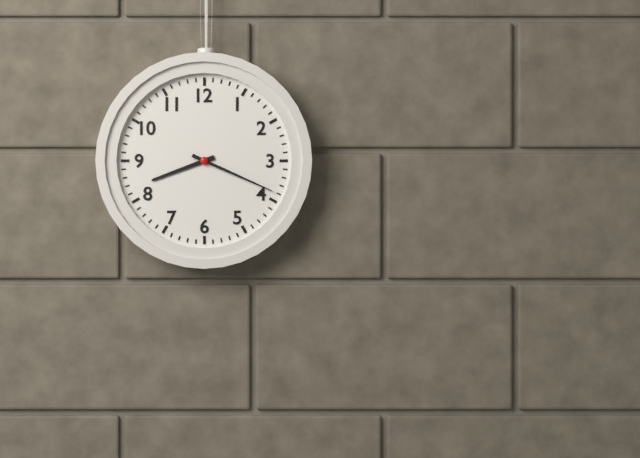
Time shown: 8:19
